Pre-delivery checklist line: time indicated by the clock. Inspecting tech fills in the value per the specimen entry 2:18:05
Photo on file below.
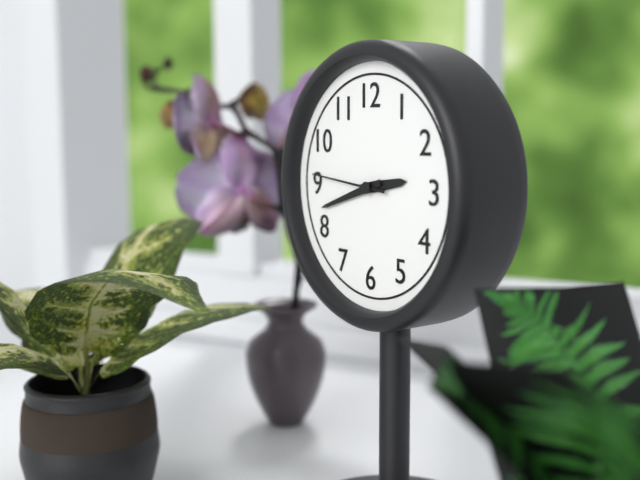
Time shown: 2:42:46
